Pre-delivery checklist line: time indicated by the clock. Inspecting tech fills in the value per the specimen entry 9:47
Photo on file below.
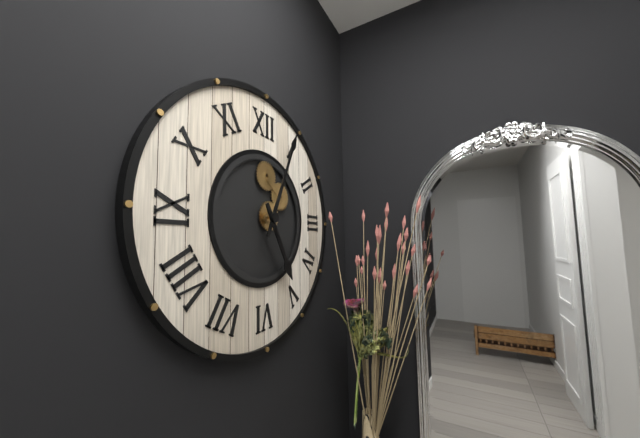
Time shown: 5:04
